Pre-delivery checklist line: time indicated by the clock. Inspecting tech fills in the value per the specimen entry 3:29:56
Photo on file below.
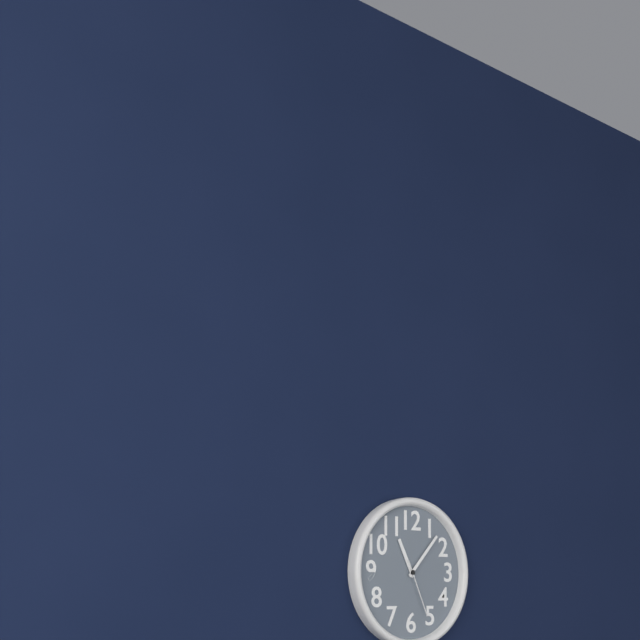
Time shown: 11:07:26
